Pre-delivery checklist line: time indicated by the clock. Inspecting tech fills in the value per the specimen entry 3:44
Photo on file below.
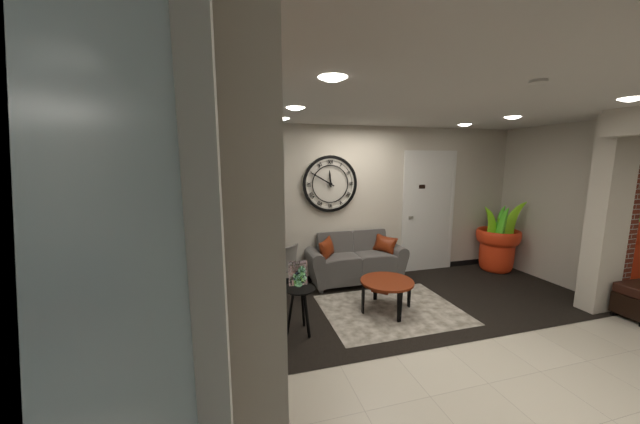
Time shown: 11:50
